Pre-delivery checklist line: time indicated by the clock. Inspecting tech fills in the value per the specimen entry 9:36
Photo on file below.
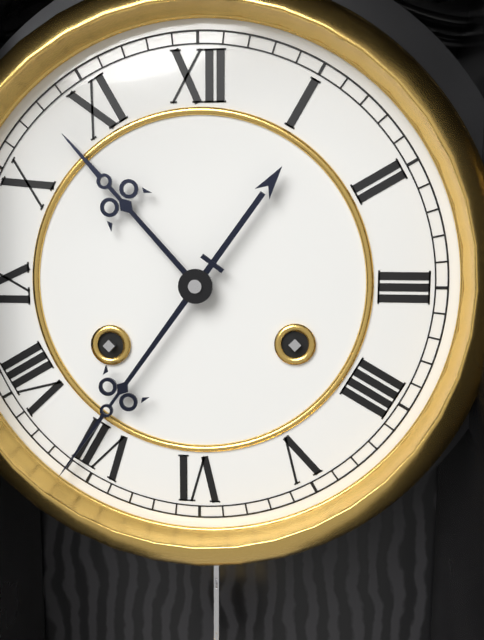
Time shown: 10:36
